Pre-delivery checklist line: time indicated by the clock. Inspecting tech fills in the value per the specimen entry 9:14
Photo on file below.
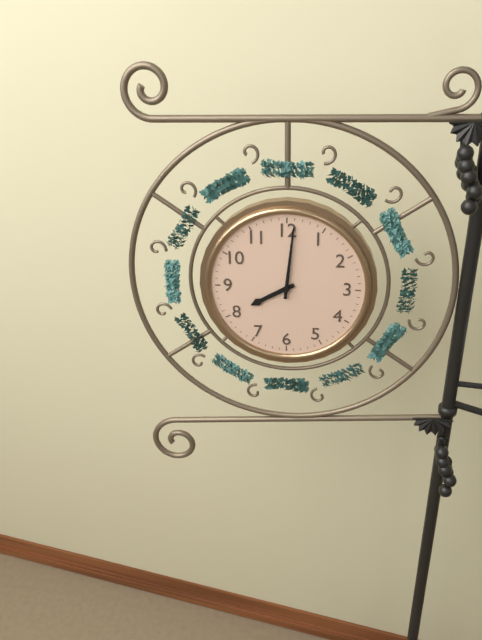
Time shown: 8:01
